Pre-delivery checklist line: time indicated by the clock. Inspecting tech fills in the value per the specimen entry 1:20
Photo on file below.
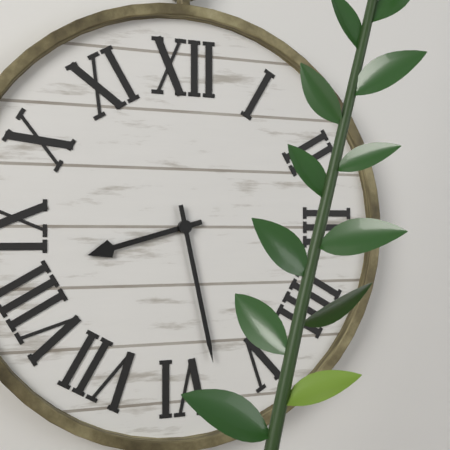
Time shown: 8:28
